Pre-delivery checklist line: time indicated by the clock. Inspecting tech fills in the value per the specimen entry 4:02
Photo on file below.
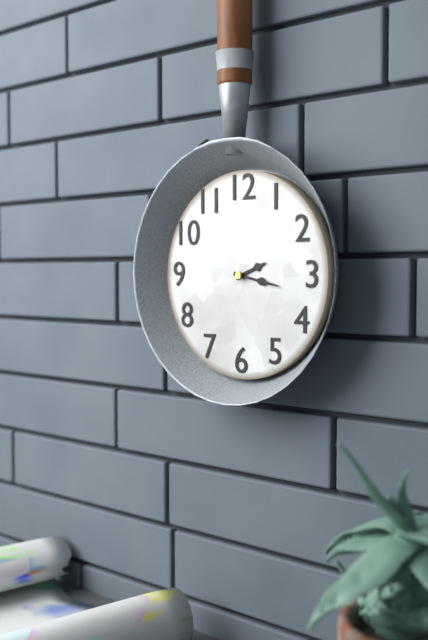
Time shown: 2:17
